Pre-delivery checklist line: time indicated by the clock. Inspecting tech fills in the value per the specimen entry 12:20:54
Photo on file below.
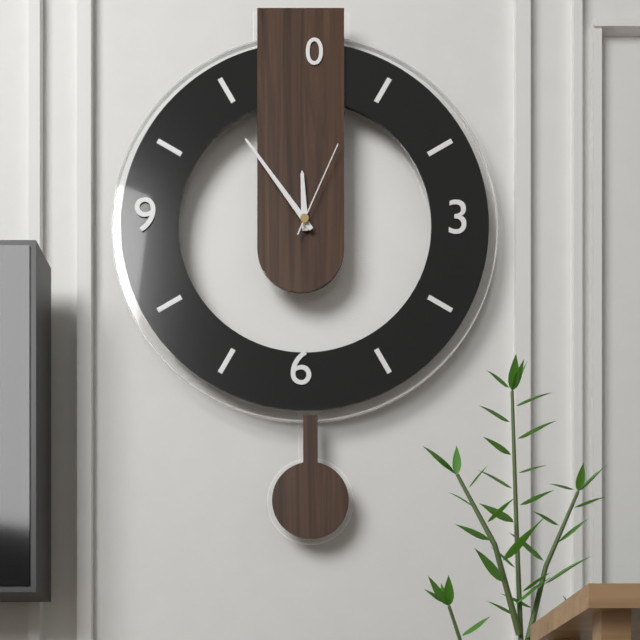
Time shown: 11:54:04
